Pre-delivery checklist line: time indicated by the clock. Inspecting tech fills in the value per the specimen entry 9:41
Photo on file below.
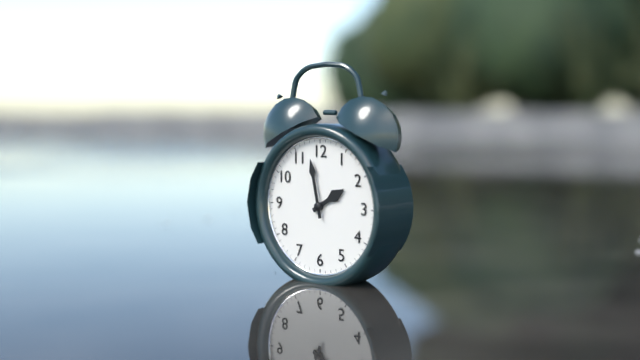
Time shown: 1:58
